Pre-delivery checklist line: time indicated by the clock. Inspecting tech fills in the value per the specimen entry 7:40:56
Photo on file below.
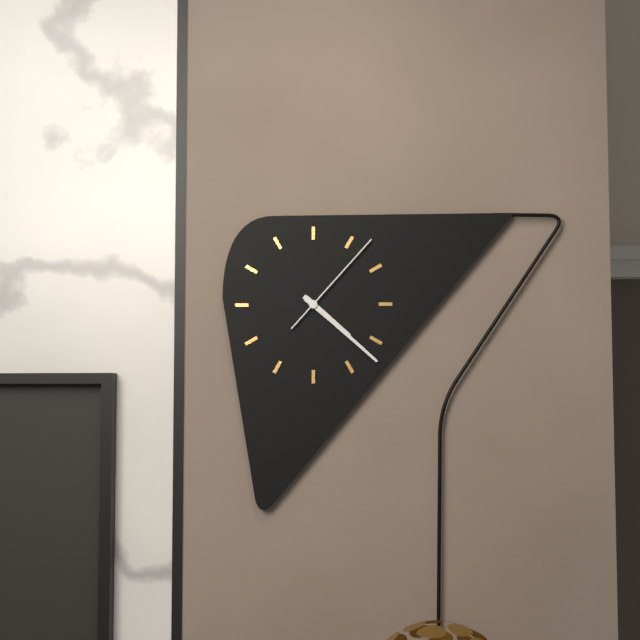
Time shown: 4:22:07
